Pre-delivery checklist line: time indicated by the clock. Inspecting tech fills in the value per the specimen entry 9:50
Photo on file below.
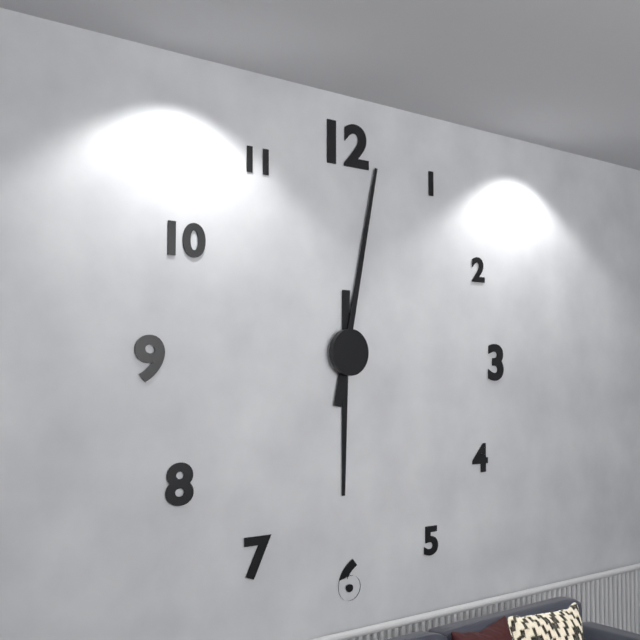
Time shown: 6:02
